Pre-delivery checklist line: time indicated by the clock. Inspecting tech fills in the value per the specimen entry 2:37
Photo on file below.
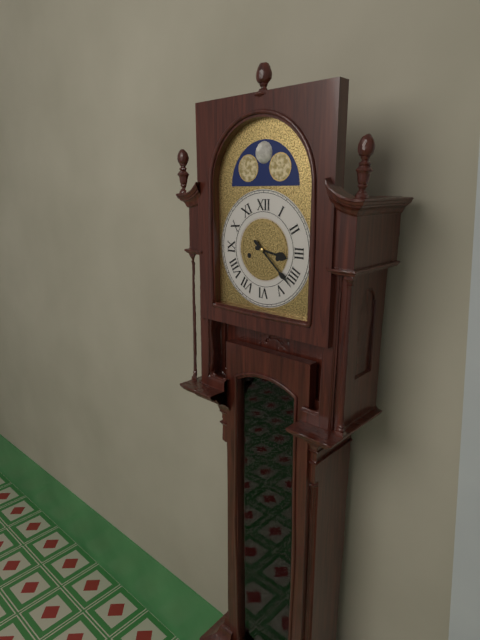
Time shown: 3:22
